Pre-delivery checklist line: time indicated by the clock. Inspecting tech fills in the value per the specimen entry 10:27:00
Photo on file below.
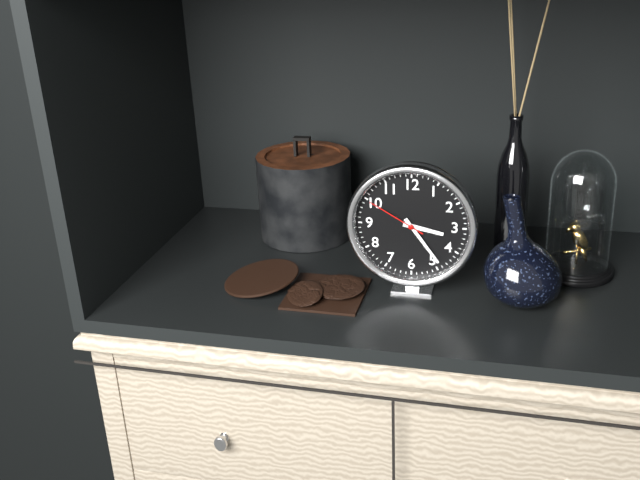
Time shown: 3:24:50
